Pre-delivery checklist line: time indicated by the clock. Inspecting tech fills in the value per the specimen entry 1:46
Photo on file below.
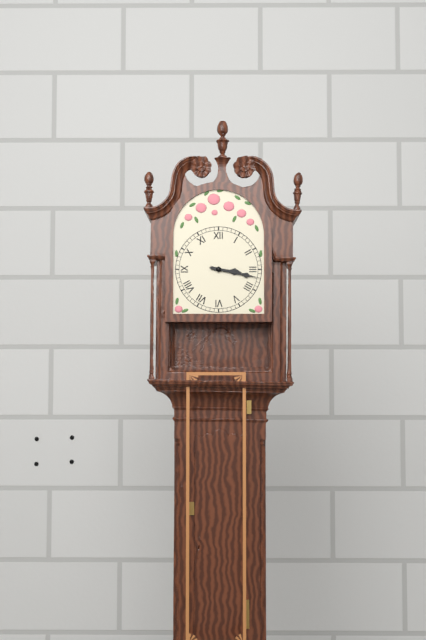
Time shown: 3:17
